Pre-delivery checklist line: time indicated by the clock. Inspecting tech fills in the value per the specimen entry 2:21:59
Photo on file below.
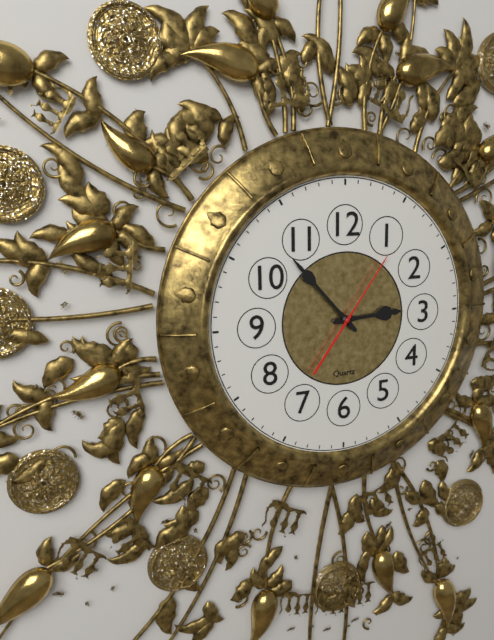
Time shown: 2:53:06
